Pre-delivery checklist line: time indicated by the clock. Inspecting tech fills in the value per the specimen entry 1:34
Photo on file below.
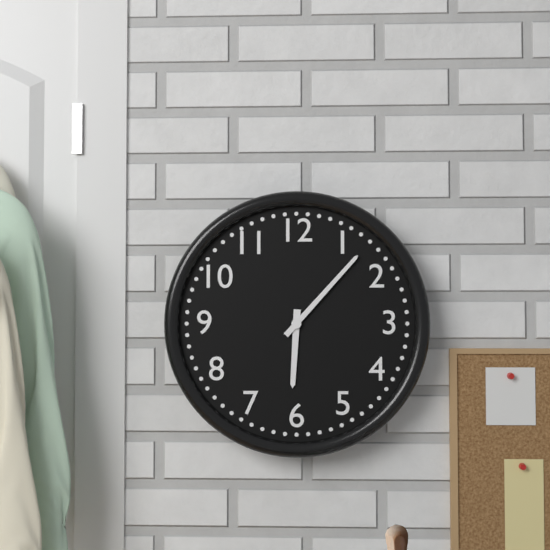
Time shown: 6:07
